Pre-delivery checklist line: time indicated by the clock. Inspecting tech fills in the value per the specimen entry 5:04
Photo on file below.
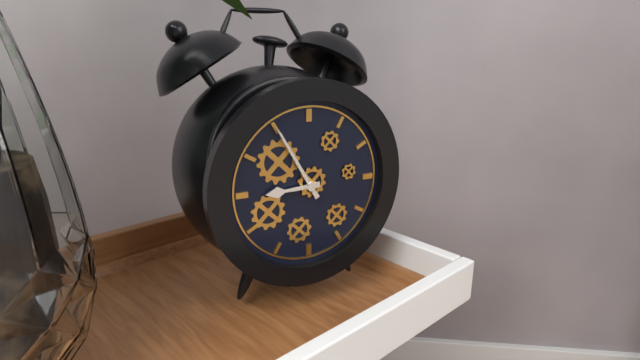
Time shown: 8:55
